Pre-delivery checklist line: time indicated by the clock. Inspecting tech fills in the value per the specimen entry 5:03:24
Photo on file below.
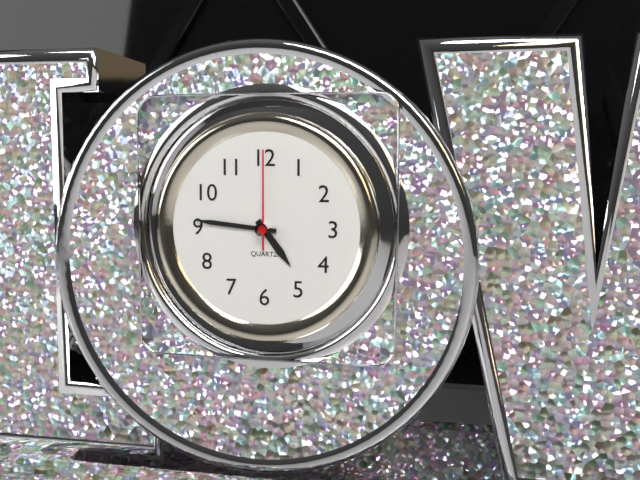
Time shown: 4:46:00
